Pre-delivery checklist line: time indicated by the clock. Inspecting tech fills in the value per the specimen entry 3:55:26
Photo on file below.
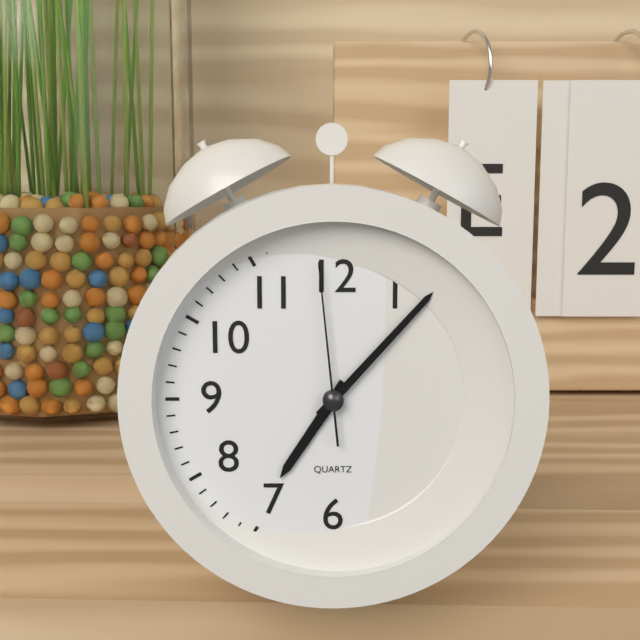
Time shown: 7:07:59
